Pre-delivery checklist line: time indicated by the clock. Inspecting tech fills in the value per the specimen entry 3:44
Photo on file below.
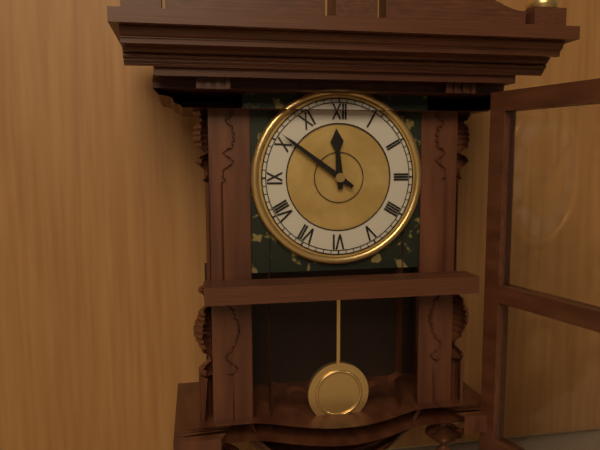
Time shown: 11:51
